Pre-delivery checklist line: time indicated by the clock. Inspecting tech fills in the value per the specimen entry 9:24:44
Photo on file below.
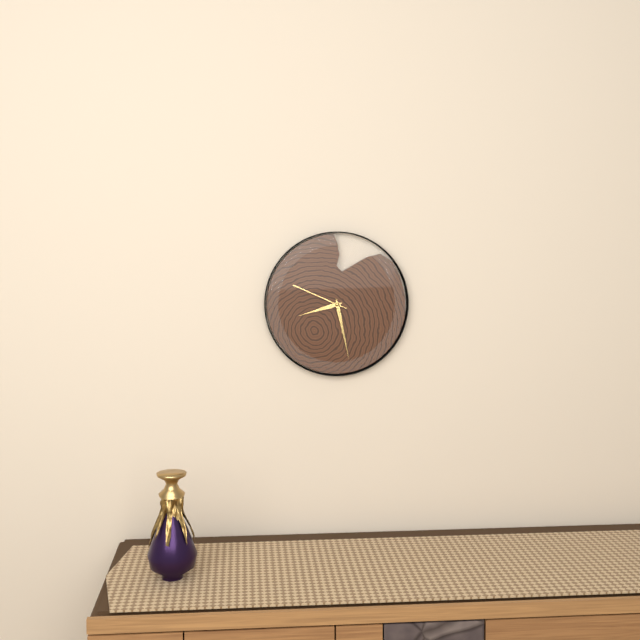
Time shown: 8:28:49
